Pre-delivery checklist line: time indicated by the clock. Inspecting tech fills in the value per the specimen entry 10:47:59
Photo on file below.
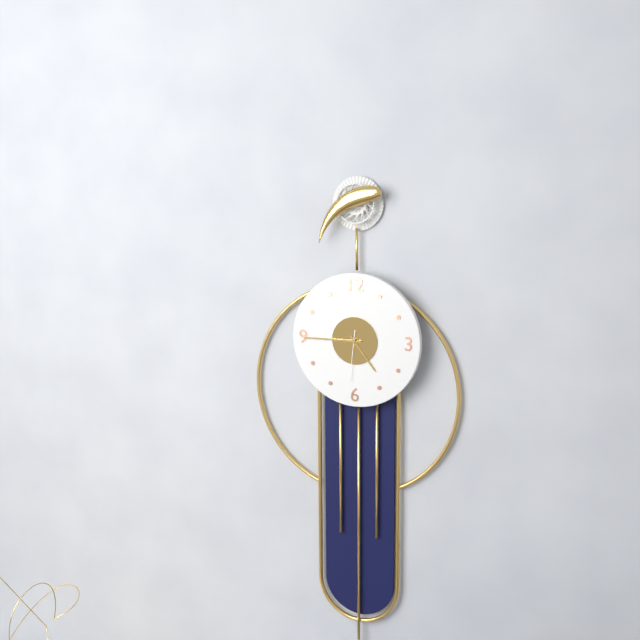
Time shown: 4:45:31
